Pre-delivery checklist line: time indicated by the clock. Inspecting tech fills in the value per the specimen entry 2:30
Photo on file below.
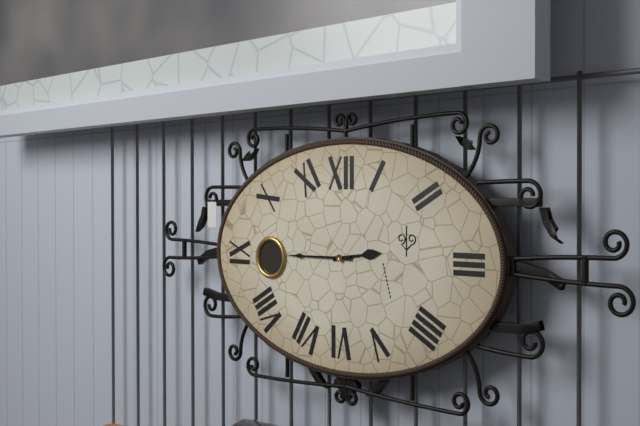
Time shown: 2:45
